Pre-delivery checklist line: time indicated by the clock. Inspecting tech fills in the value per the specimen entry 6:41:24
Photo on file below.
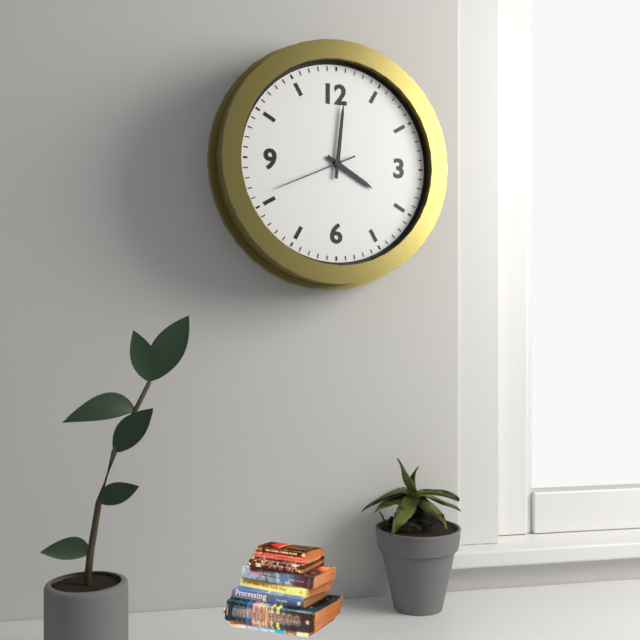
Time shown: 4:01:41
